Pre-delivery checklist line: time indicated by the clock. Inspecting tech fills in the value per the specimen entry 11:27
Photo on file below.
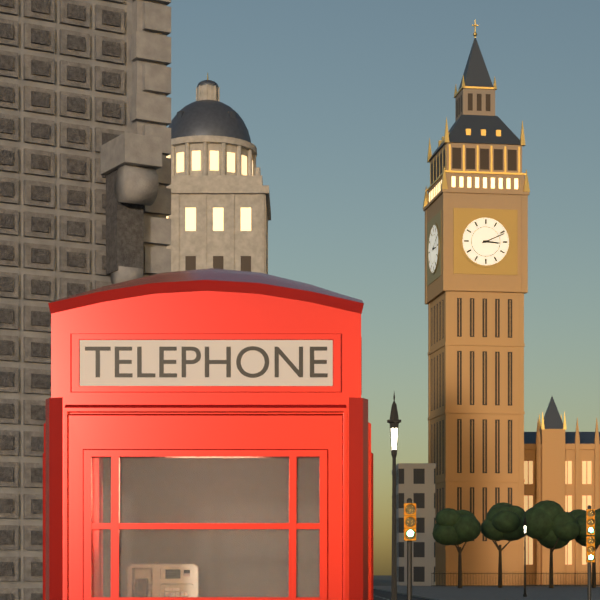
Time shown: 3:11
